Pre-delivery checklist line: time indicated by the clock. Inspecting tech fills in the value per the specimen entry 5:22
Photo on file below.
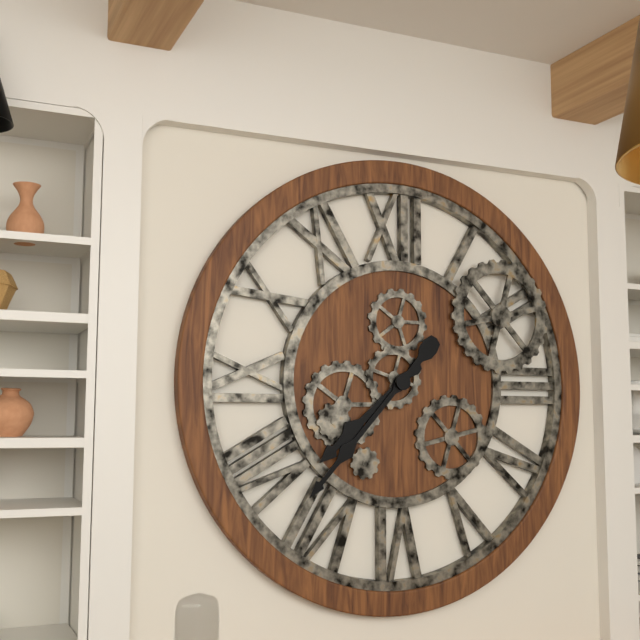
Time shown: 7:37
